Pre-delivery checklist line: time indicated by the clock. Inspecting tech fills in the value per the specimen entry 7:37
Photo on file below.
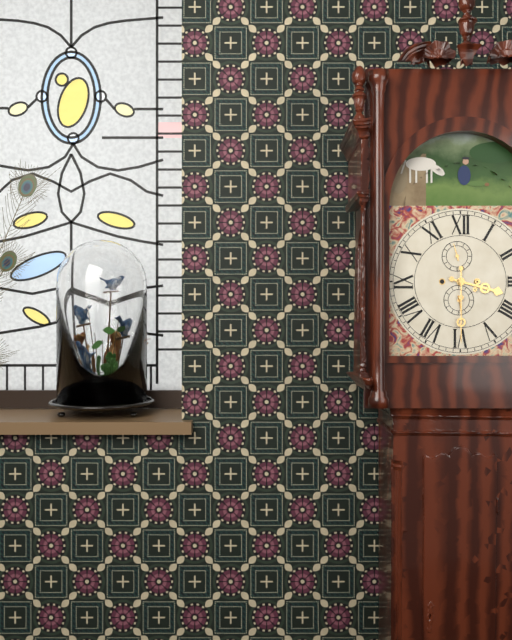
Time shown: 3:30
